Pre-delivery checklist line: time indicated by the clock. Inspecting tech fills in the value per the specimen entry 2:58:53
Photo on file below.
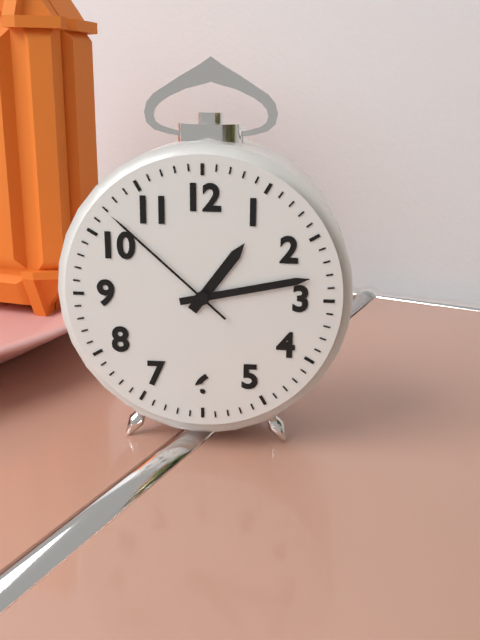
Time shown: 1:13:52
